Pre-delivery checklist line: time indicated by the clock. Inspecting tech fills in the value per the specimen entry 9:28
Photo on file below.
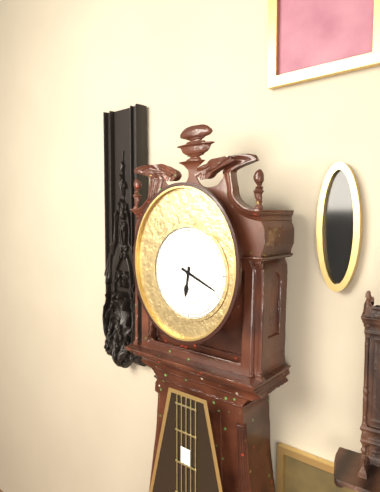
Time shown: 6:19
